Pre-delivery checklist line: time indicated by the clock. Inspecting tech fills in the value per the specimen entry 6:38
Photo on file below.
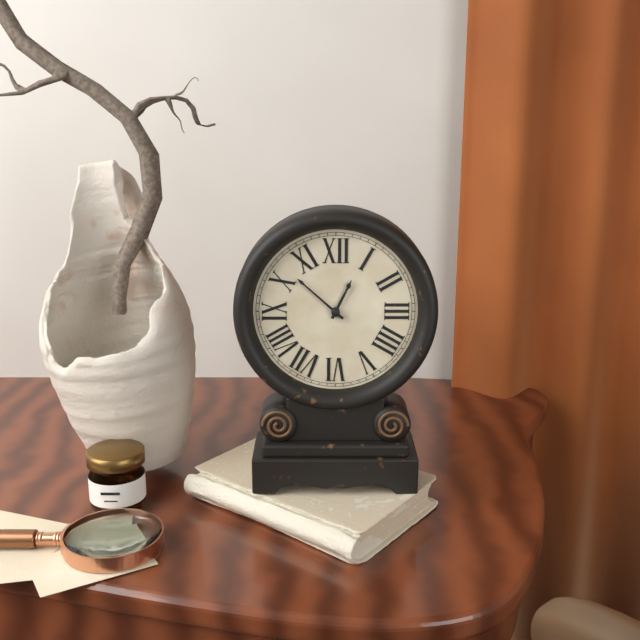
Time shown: 12:52
